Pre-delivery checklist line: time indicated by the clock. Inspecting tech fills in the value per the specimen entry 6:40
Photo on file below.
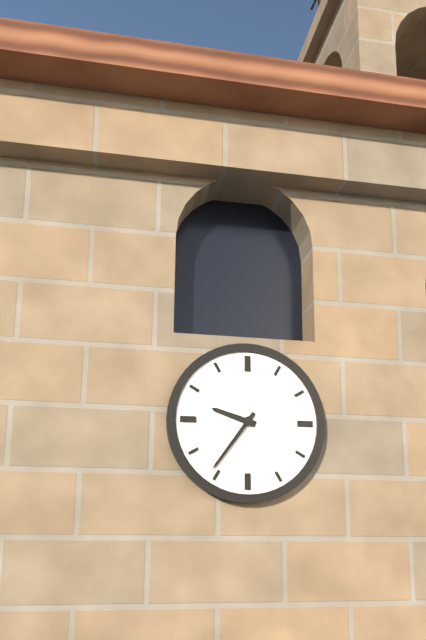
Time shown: 9:36
